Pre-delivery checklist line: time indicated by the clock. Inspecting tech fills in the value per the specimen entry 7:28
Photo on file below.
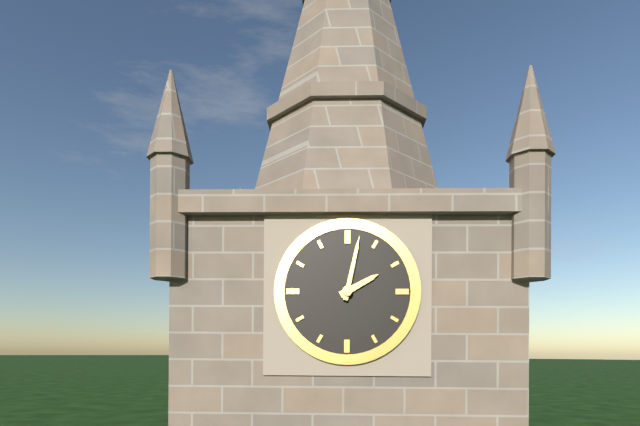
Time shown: 2:02
